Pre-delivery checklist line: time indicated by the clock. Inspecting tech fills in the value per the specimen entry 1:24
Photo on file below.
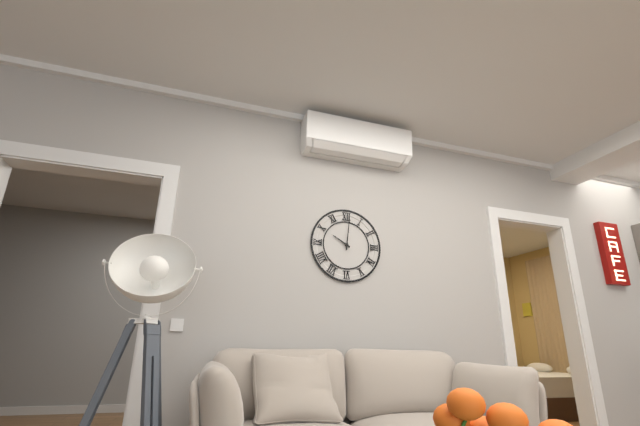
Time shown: 10:01
